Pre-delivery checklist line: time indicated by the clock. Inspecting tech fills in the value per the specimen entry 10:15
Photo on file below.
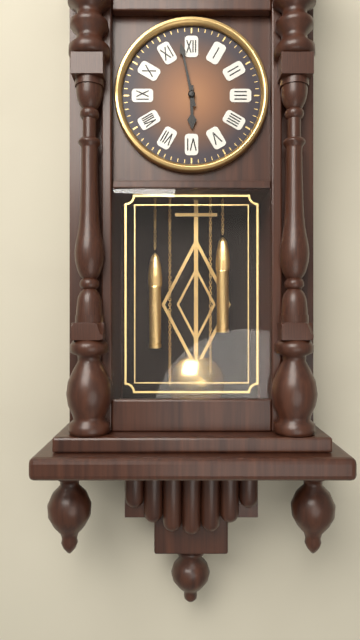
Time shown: 5:58
